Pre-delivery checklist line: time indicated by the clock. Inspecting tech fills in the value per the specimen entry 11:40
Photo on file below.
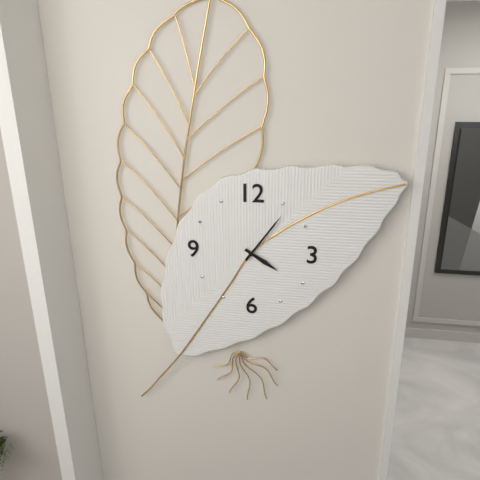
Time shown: 4:06
